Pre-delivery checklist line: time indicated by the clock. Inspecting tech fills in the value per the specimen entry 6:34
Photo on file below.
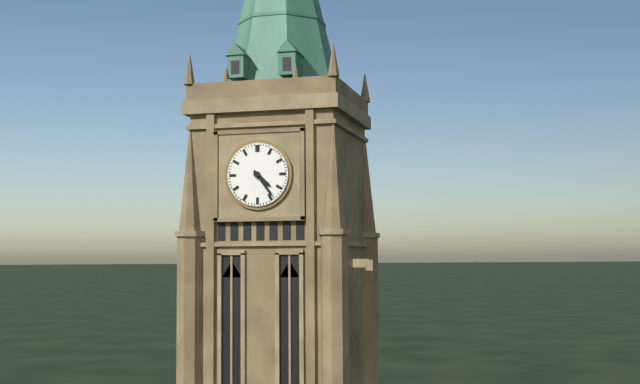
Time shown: 4:24
